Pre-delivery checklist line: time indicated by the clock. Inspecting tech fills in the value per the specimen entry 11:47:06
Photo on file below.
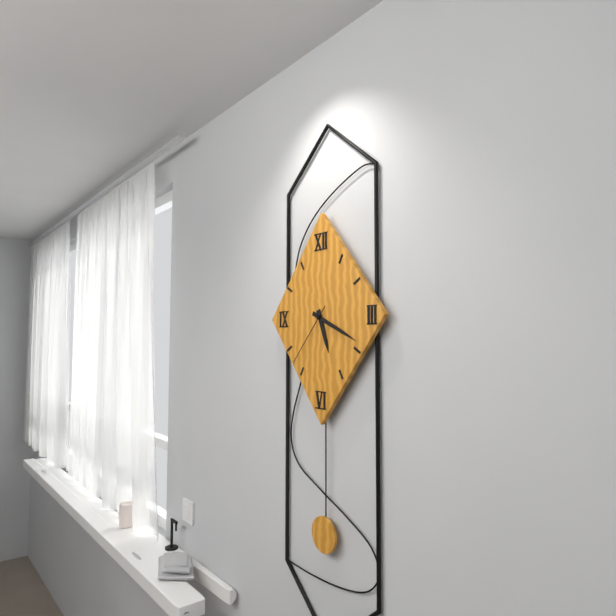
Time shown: 5:19:37
